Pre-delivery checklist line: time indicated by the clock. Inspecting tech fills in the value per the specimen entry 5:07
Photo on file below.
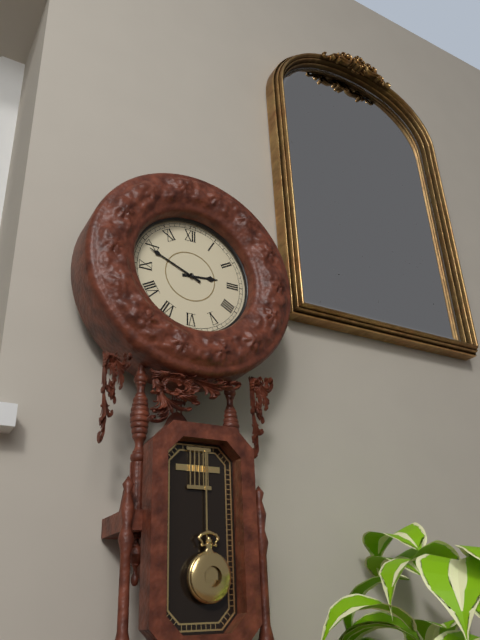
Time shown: 2:49
